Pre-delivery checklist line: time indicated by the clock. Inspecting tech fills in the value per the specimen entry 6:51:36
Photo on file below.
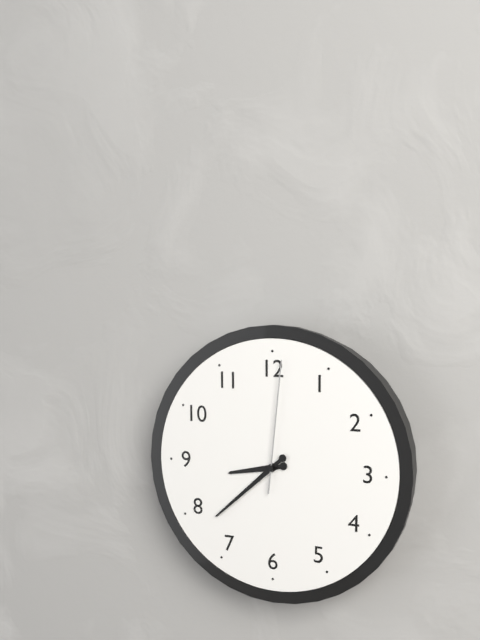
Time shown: 8:38:01
